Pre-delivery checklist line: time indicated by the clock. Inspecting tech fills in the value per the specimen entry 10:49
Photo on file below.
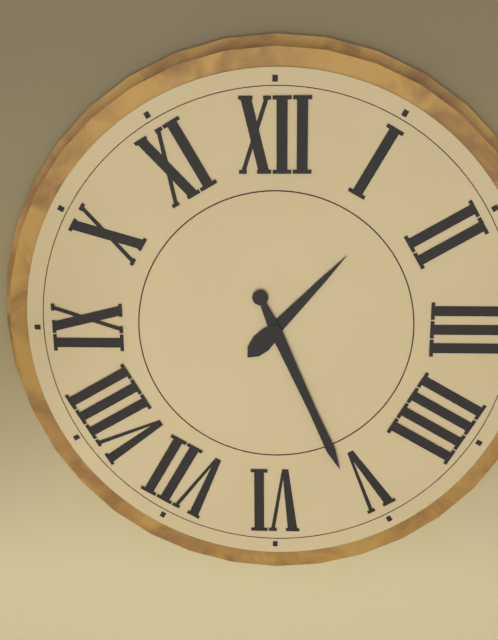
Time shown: 1:26
